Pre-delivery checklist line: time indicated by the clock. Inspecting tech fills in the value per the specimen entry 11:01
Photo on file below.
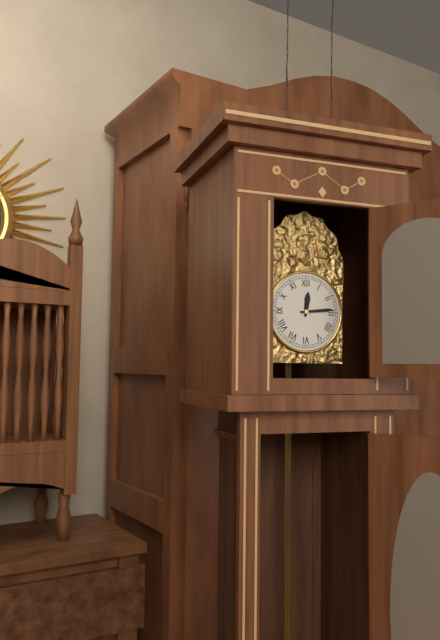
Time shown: 12:14
